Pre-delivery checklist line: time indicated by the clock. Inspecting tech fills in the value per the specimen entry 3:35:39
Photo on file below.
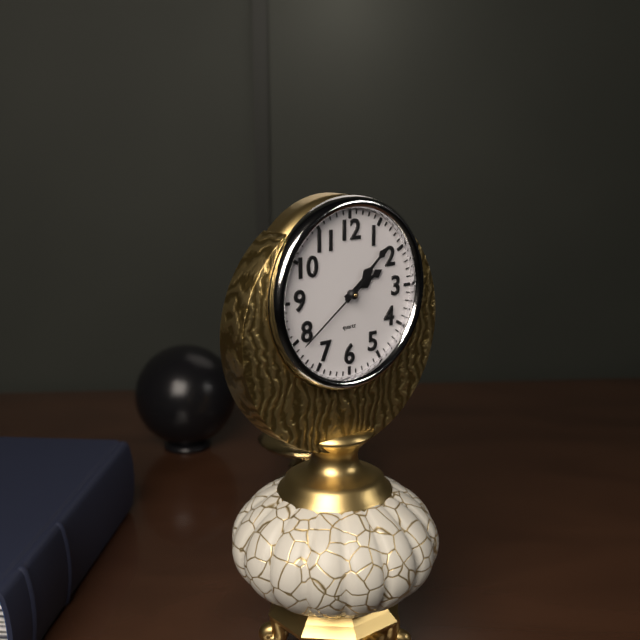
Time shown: 2:08:39
